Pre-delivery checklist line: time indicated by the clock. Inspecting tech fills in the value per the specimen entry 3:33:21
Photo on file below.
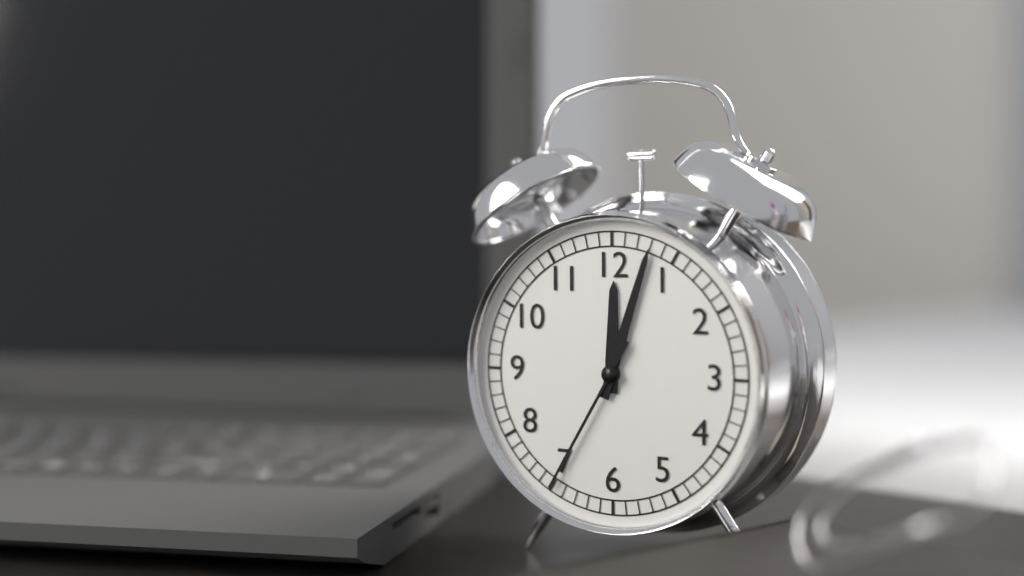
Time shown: 12:03:35
